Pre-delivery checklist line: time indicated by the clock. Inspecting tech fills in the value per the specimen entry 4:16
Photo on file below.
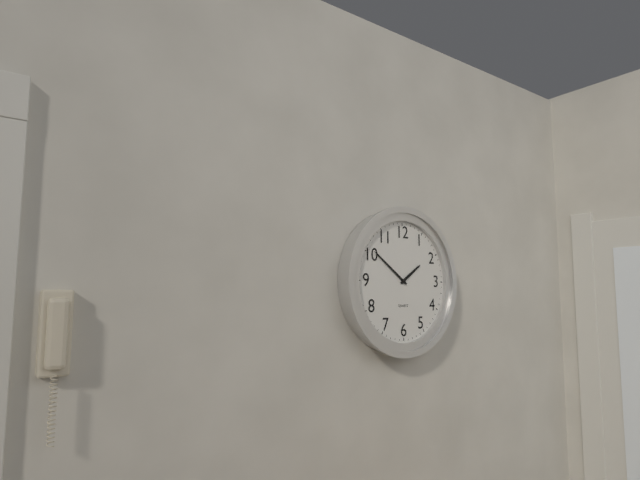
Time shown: 1:51
